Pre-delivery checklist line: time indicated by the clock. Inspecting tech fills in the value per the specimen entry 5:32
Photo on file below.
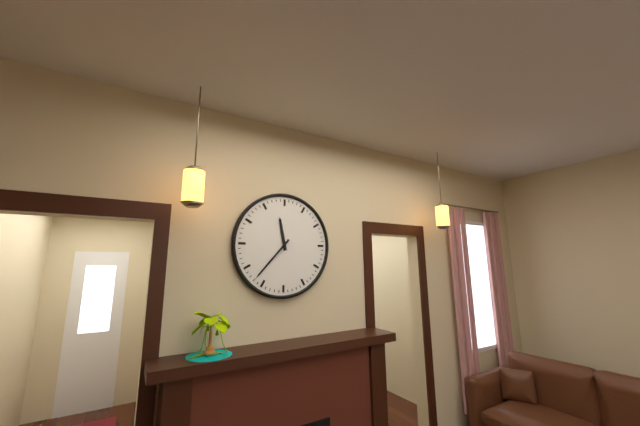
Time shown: 11:37
